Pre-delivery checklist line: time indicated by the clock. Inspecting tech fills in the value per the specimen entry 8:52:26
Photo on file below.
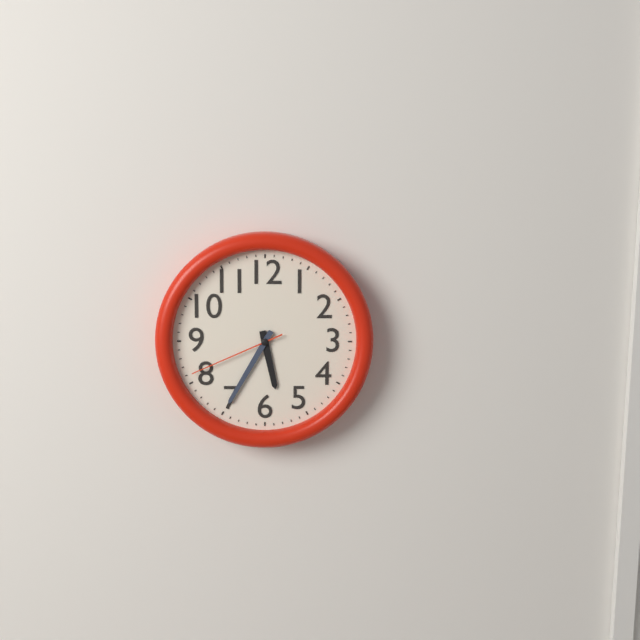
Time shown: 5:35:41
